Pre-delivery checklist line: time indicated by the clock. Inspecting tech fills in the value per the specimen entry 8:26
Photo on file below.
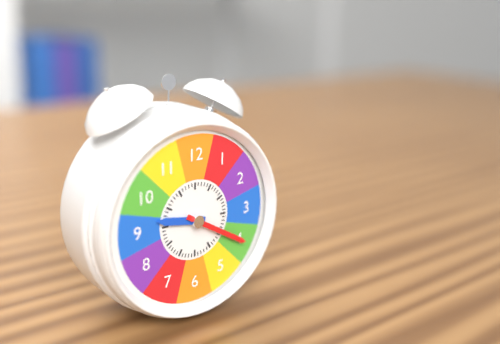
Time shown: 9:20
